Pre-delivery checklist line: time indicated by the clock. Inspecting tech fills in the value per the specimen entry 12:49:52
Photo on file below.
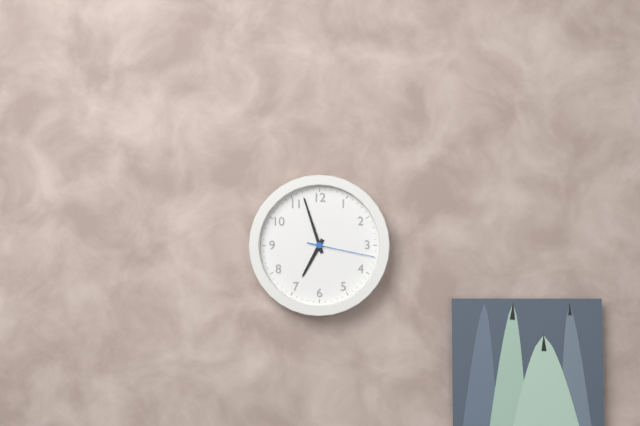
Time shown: 6:57:17
